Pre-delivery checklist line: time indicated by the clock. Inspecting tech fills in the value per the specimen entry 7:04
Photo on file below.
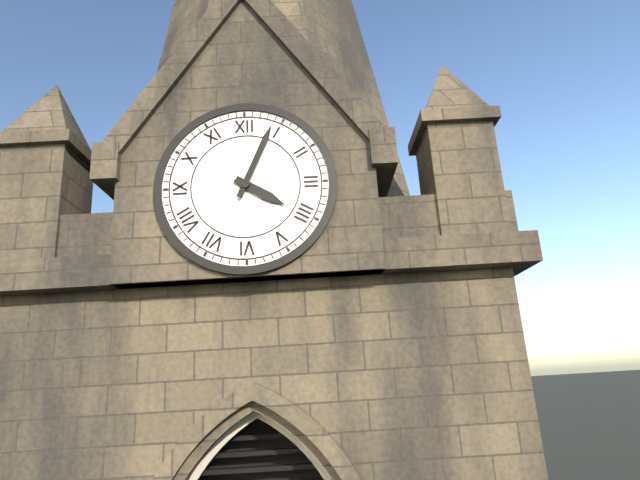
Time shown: 4:04
